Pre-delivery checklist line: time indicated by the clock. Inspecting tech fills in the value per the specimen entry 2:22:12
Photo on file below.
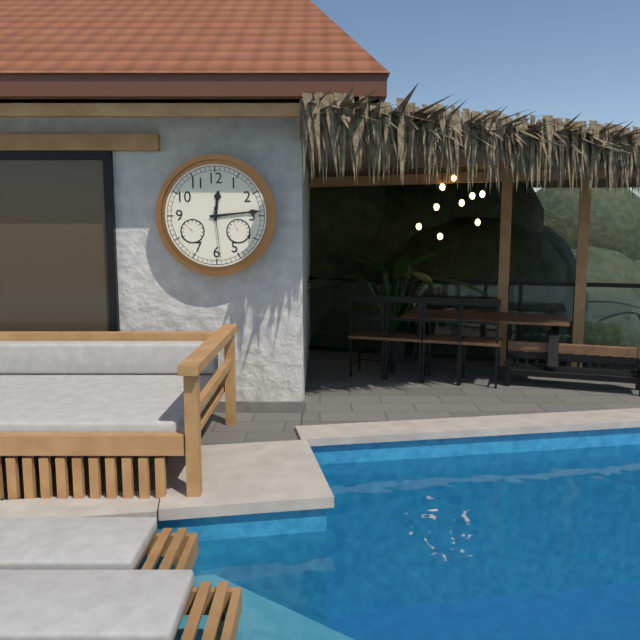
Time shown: 12:14:29
